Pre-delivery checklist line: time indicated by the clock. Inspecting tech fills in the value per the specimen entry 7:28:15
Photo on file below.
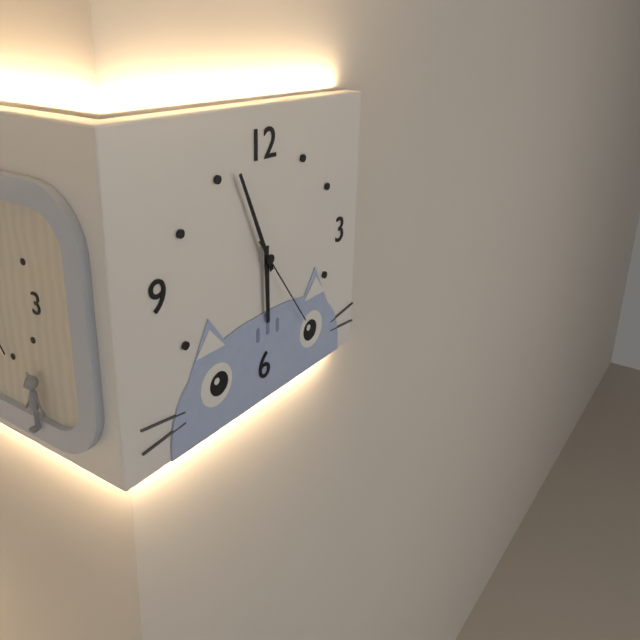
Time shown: 5:56:24
